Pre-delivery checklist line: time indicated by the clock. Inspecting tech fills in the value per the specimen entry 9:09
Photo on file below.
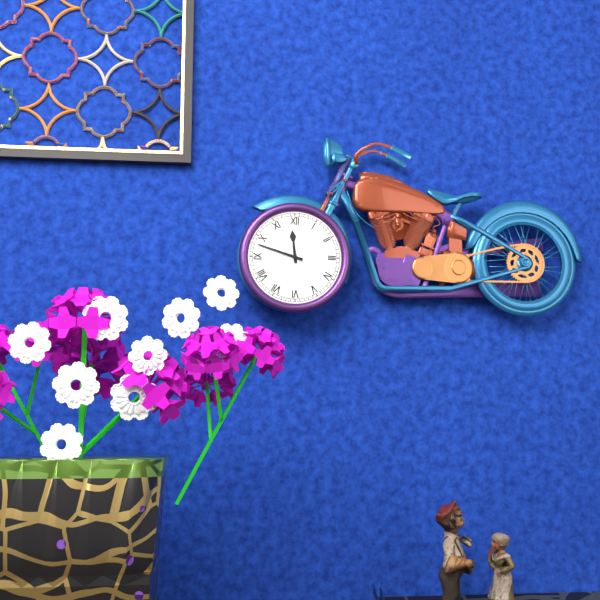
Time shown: 11:48
